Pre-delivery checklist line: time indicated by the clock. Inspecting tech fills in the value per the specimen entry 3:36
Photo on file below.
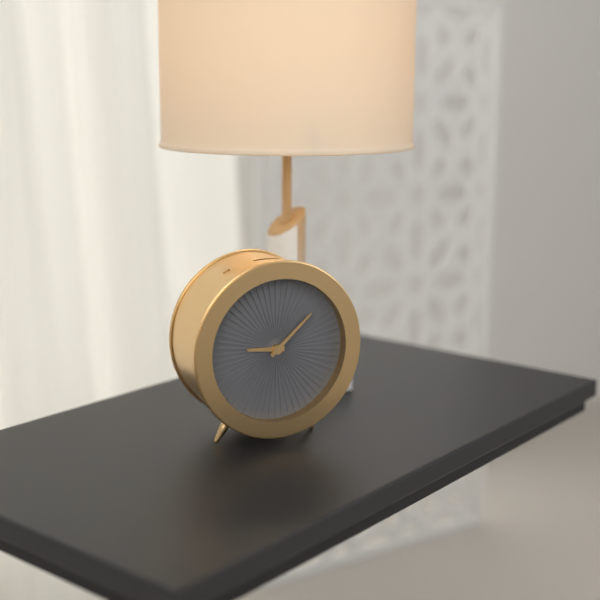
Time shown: 9:08
